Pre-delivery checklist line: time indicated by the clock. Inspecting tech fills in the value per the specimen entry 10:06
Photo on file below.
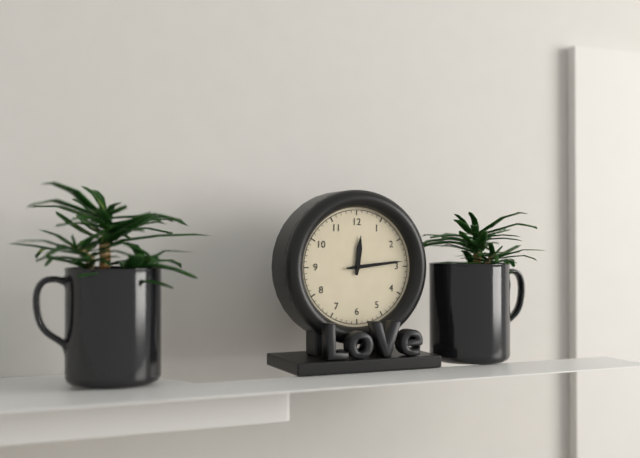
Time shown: 12:14
